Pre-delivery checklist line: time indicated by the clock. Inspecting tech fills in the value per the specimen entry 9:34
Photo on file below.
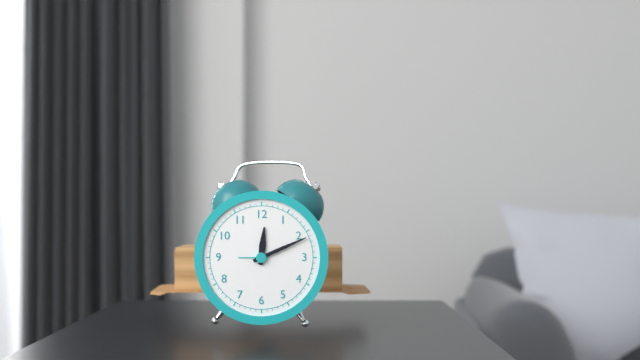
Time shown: 12:11
